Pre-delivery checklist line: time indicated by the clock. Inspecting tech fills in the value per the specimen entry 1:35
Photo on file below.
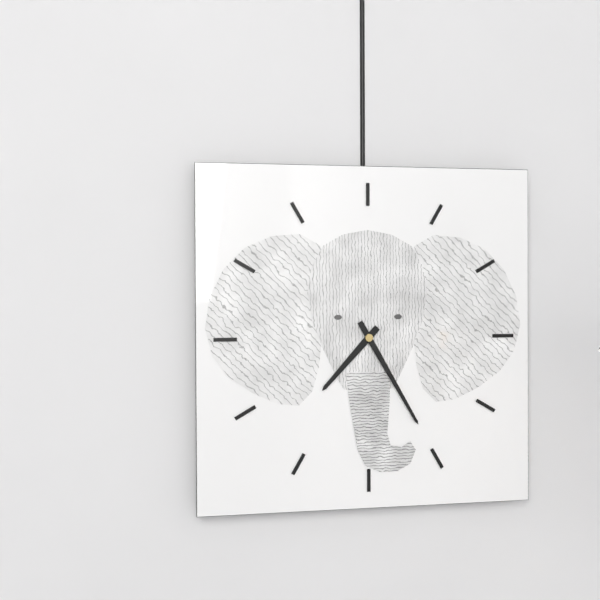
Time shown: 7:25
